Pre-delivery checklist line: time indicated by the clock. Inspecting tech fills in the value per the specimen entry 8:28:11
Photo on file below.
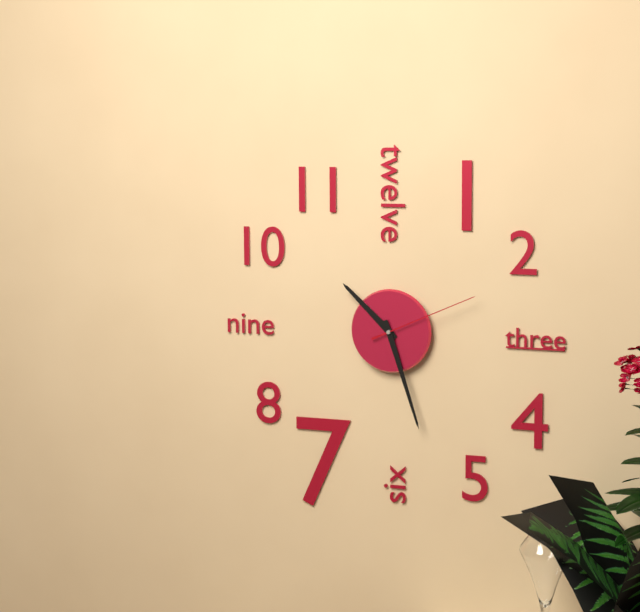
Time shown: 10:27:11
